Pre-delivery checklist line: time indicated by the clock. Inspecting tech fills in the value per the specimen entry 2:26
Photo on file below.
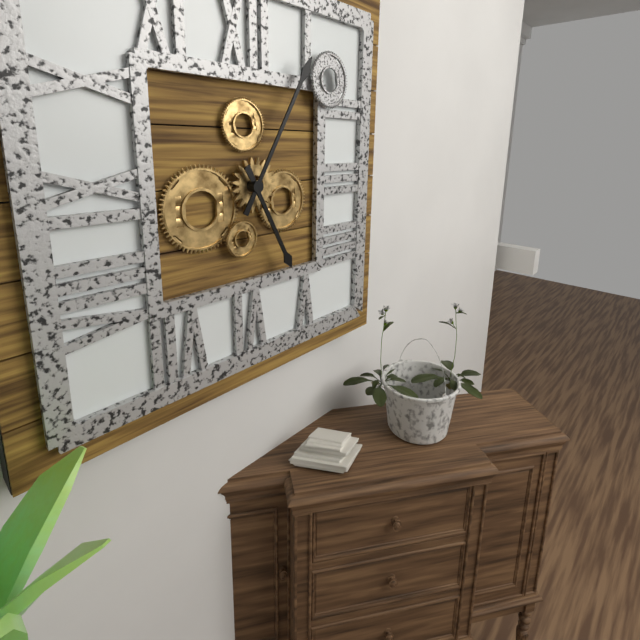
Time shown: 5:05
